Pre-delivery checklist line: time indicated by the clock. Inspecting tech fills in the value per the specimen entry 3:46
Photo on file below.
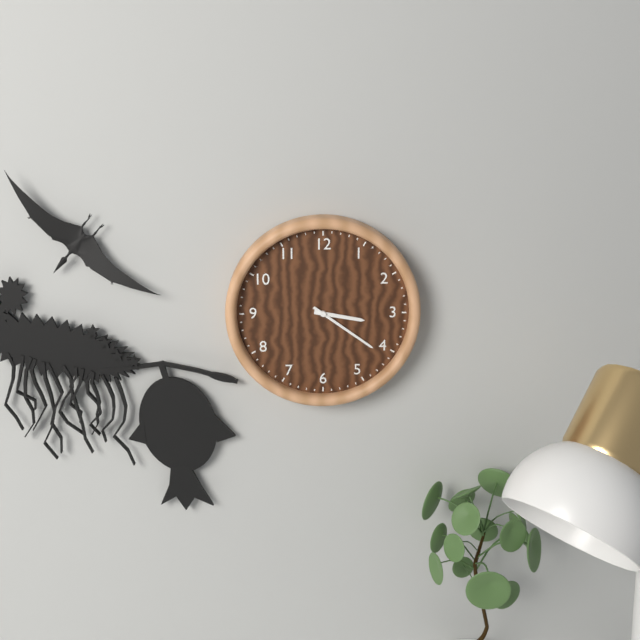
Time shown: 3:21
